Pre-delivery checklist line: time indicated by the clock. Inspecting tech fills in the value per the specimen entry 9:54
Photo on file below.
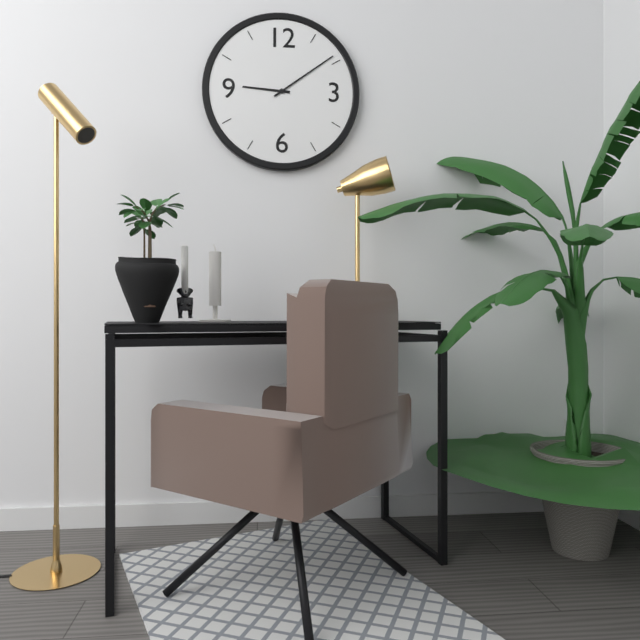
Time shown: 9:09
